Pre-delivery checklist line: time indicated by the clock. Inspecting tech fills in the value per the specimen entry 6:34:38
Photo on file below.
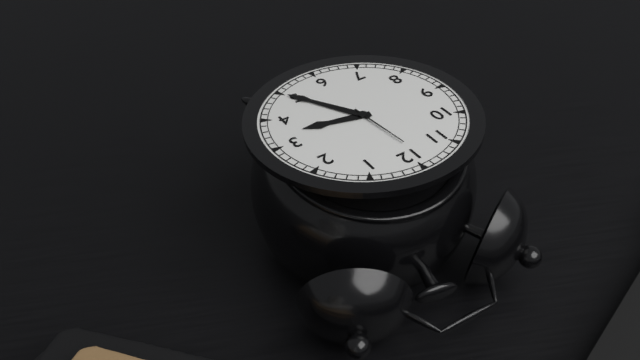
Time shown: 3:25:59
